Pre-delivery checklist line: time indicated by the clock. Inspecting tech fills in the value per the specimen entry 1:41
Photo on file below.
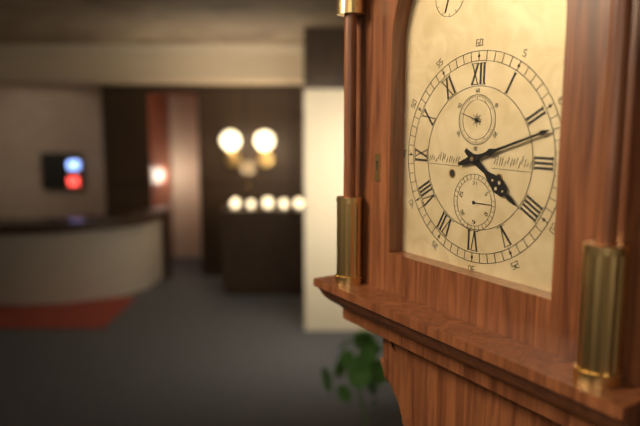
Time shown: 4:12
